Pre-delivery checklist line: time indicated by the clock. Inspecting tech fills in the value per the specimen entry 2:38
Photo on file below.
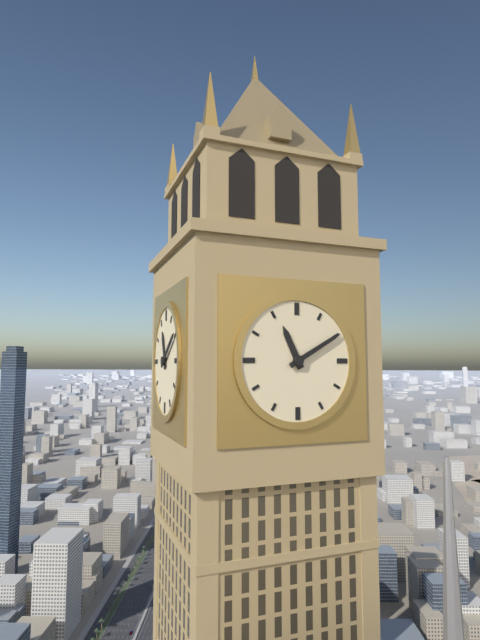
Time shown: 11:10
